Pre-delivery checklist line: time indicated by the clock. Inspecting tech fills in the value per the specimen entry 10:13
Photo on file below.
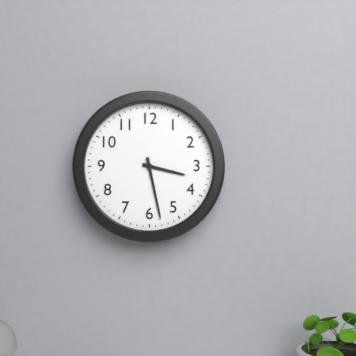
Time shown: 3:28
